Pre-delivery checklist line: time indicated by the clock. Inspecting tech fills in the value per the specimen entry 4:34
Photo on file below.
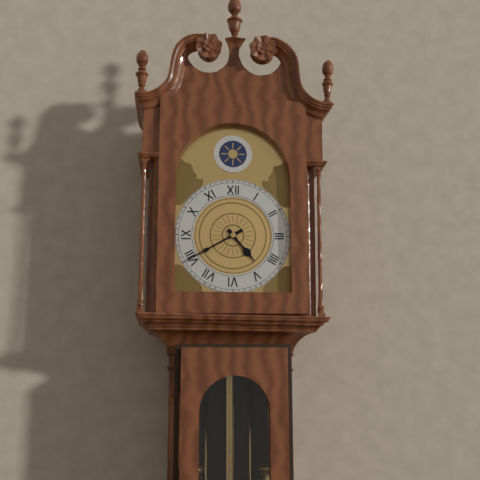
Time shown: 4:40
